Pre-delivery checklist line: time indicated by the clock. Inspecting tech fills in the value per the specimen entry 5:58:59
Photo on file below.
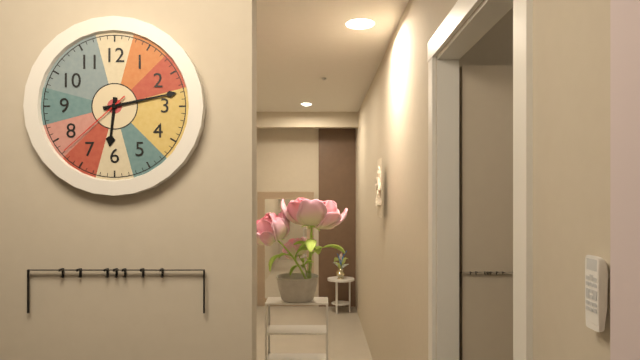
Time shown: 6:13:38
